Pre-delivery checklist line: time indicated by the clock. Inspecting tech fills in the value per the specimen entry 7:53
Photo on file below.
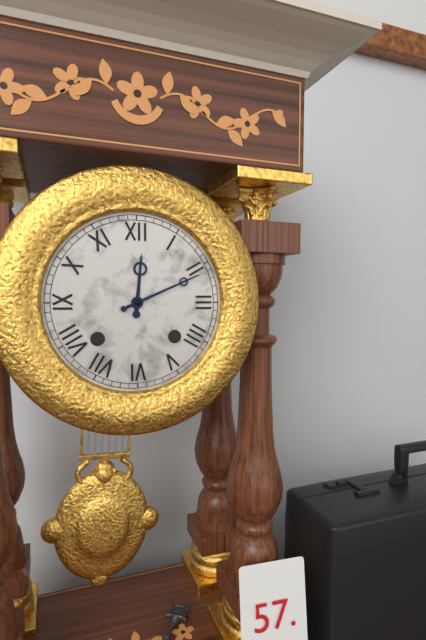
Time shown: 12:11
